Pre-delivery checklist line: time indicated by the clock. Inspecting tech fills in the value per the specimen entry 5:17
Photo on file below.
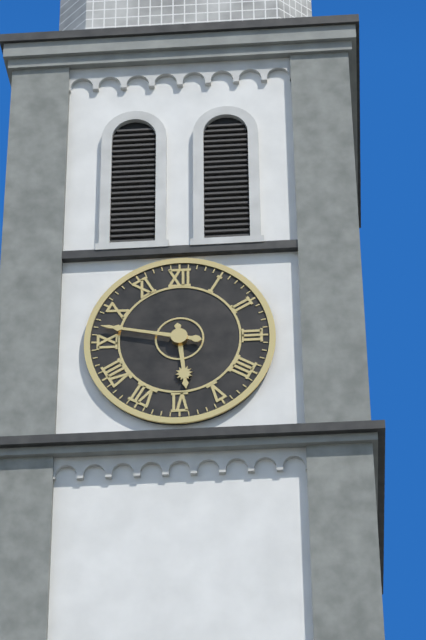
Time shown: 5:47
